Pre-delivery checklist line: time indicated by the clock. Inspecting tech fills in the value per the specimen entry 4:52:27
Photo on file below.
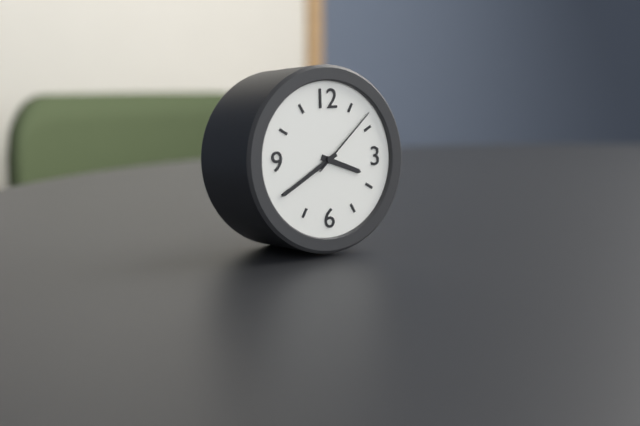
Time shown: 3:40:08
